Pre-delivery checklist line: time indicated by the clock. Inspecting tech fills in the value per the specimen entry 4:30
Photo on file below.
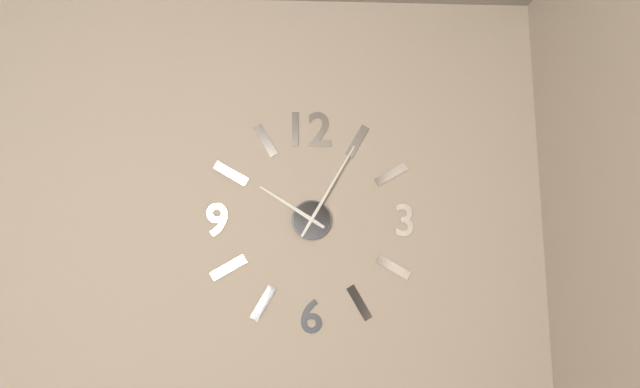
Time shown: 10:05
